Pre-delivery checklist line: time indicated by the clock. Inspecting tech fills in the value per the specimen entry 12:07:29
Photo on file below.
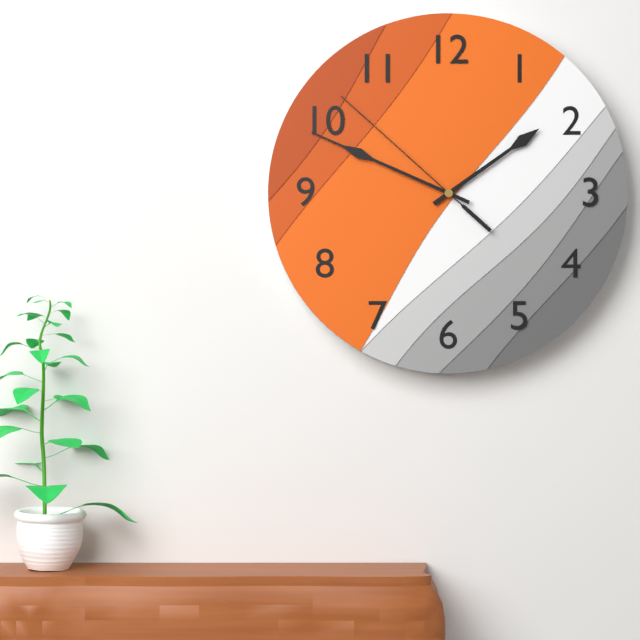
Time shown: 1:49:52
